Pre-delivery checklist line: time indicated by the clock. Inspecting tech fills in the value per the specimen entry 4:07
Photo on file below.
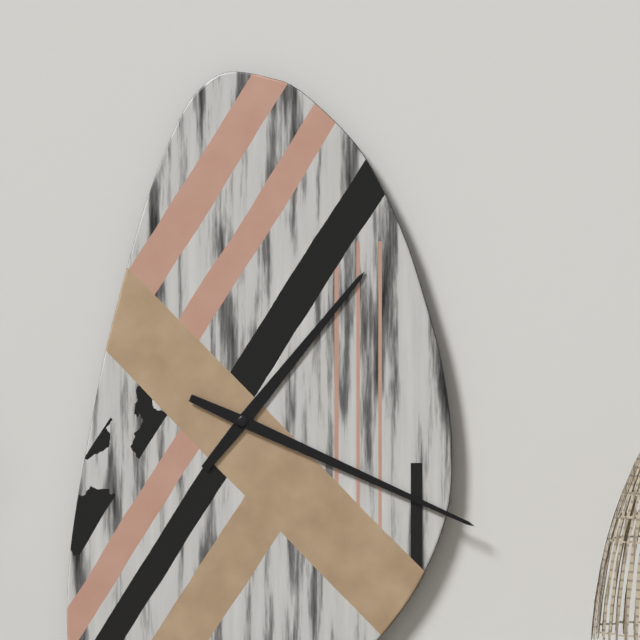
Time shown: 1:19
